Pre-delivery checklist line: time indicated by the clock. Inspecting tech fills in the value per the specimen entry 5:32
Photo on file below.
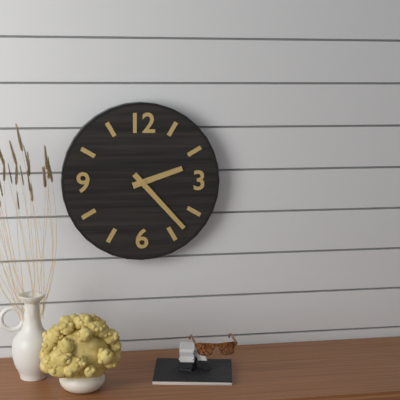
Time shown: 2:23
